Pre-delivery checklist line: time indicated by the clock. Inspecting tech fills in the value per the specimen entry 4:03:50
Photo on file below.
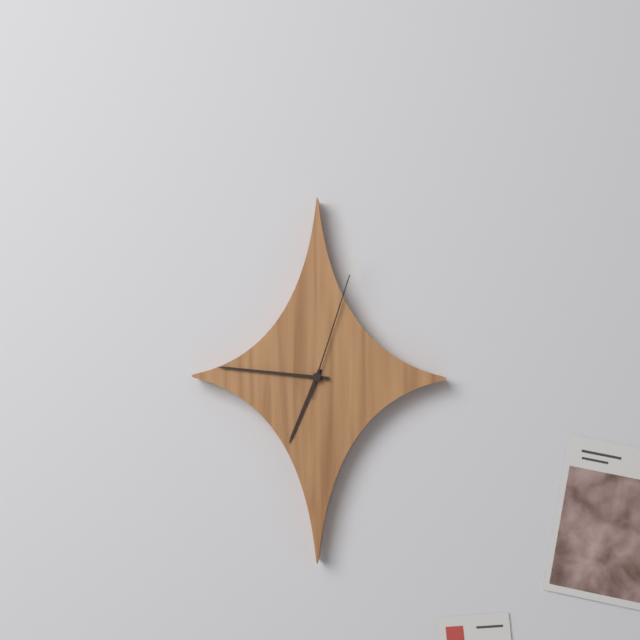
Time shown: 6:46:03
